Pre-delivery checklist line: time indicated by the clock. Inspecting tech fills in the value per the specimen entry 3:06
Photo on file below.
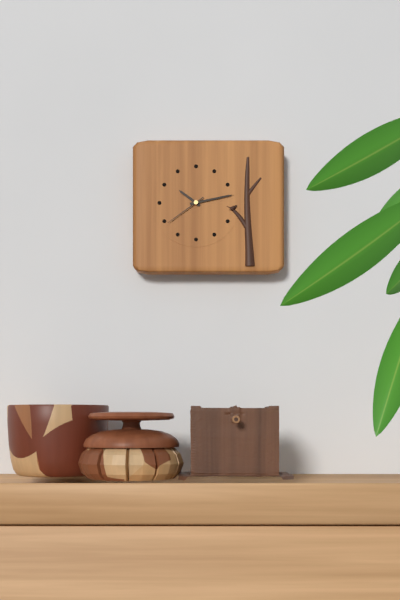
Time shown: 10:13
